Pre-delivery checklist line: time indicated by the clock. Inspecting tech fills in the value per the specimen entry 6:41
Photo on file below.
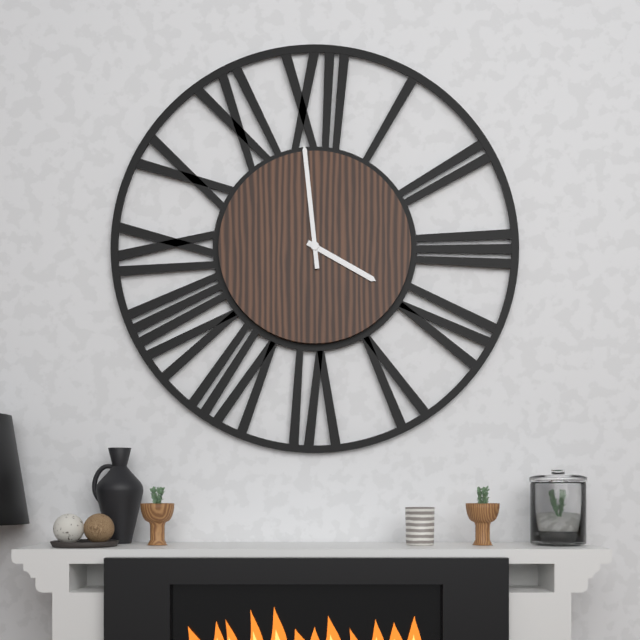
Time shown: 3:59
